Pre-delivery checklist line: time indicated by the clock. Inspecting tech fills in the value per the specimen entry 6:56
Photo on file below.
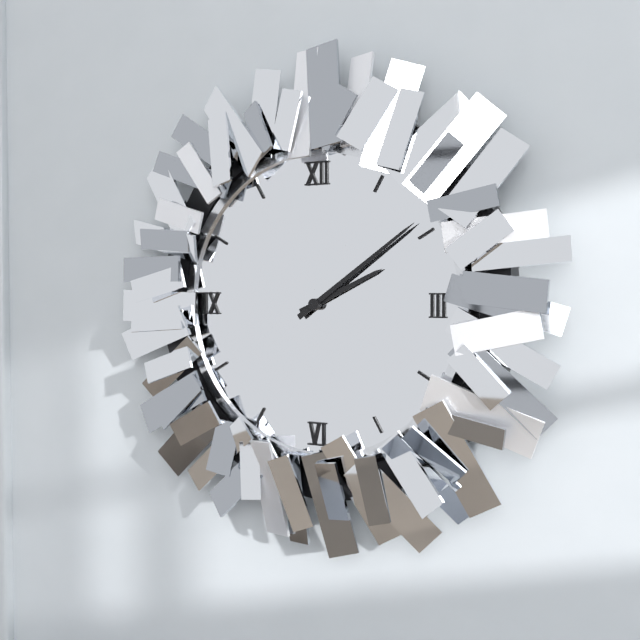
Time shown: 2:09
